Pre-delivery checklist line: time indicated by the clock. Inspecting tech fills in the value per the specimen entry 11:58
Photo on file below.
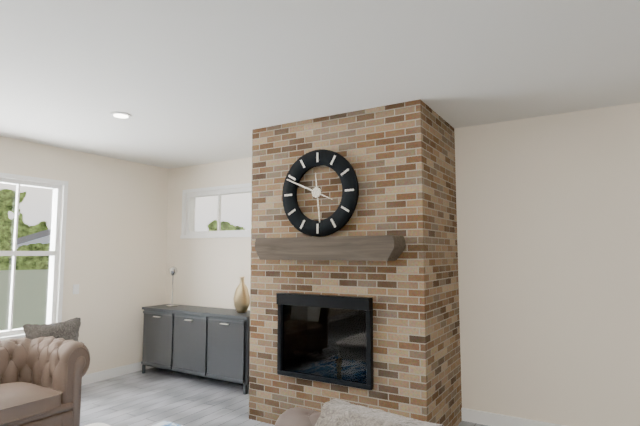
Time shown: 5:49
